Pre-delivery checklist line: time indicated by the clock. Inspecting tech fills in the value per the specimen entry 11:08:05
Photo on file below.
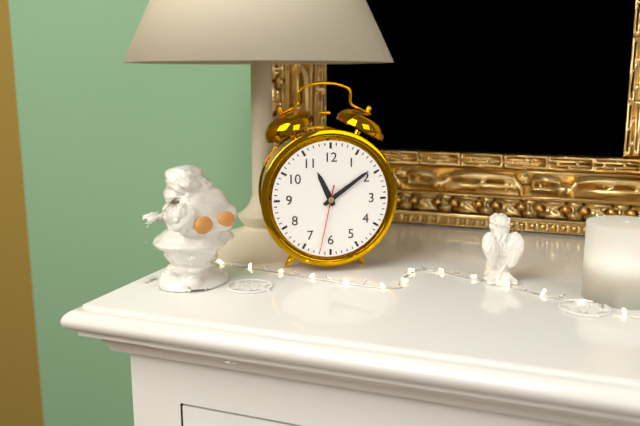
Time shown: 11:09:32
